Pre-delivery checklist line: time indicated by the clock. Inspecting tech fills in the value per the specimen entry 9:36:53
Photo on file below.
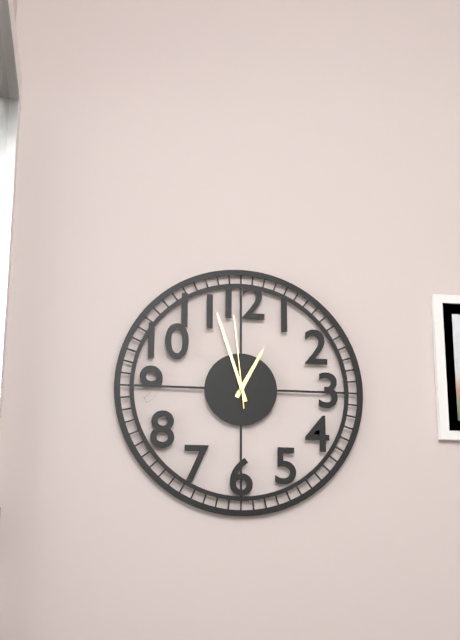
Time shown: 12:57:59
